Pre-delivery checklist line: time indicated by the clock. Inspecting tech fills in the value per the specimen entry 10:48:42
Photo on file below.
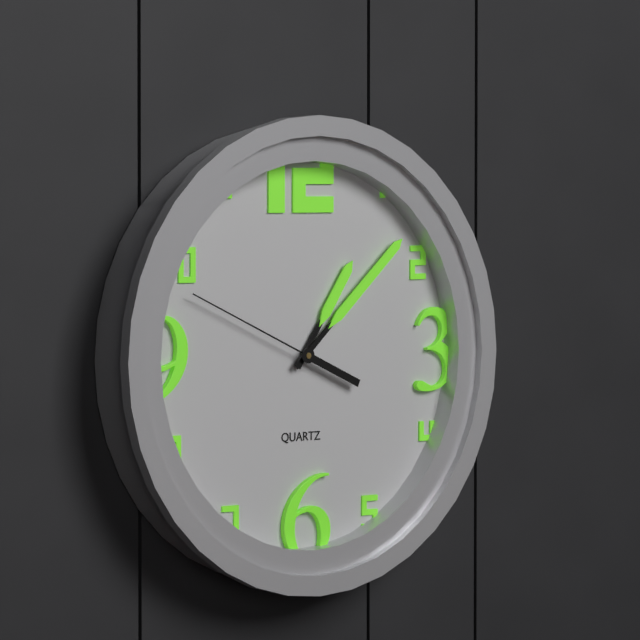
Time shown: 1:08:49
